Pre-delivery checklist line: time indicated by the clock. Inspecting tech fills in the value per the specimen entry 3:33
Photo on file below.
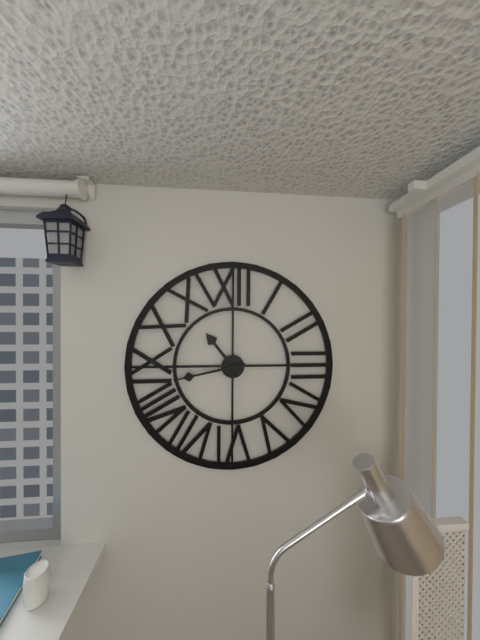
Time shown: 10:43
